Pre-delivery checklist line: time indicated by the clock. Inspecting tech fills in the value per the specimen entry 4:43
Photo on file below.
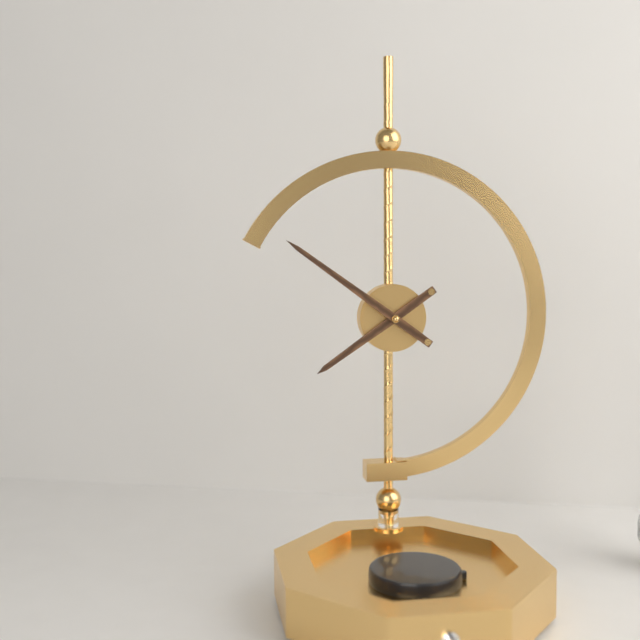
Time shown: 7:51
